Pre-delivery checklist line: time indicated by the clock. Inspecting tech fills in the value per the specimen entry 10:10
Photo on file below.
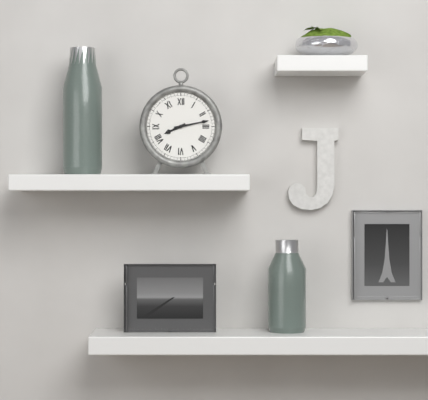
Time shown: 8:13
